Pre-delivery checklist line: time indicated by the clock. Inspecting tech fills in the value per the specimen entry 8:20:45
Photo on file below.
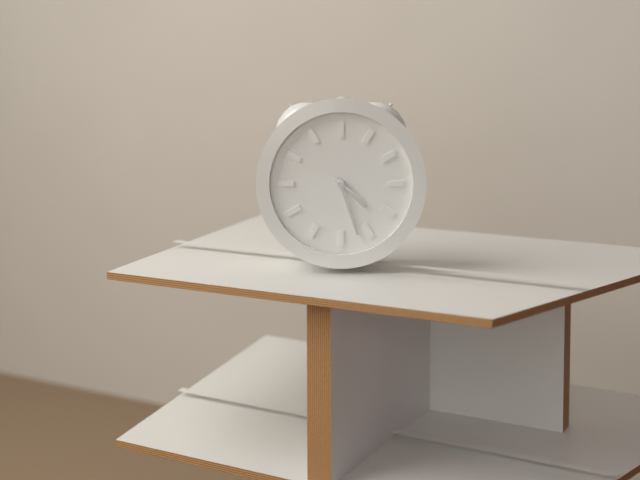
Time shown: 4:27:51
